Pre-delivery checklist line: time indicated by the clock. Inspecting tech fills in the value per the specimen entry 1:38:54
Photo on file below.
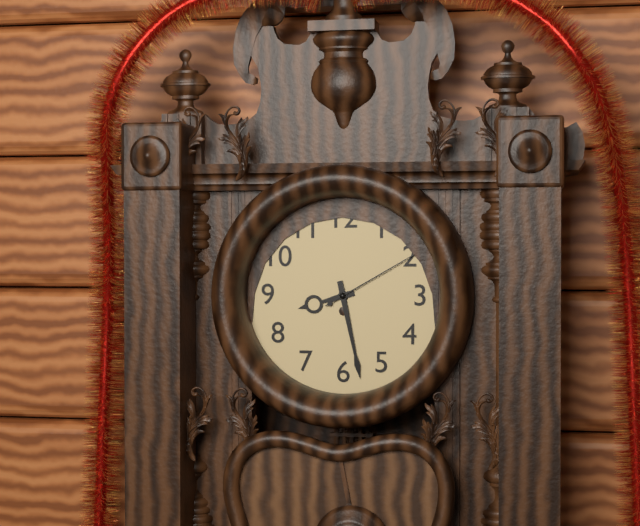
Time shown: 8:28:10
